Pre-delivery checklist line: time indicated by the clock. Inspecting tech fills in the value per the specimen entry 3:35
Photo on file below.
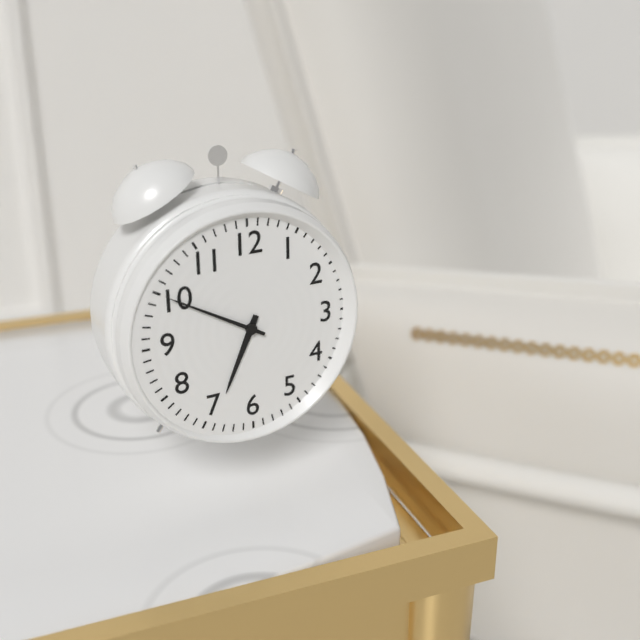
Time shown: 6:50
